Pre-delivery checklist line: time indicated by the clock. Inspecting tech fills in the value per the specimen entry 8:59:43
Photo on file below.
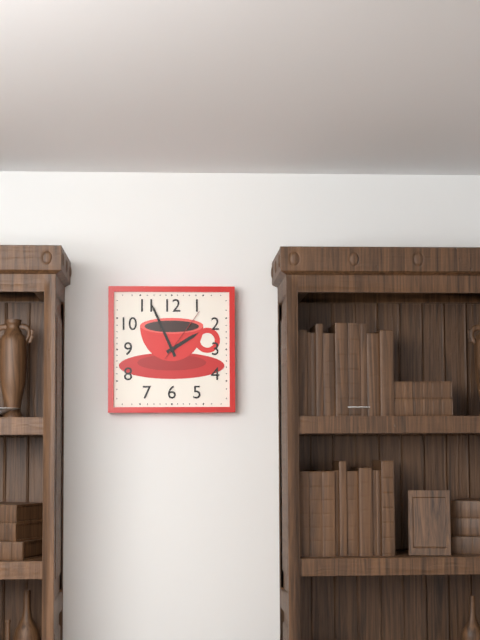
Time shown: 1:56:06
